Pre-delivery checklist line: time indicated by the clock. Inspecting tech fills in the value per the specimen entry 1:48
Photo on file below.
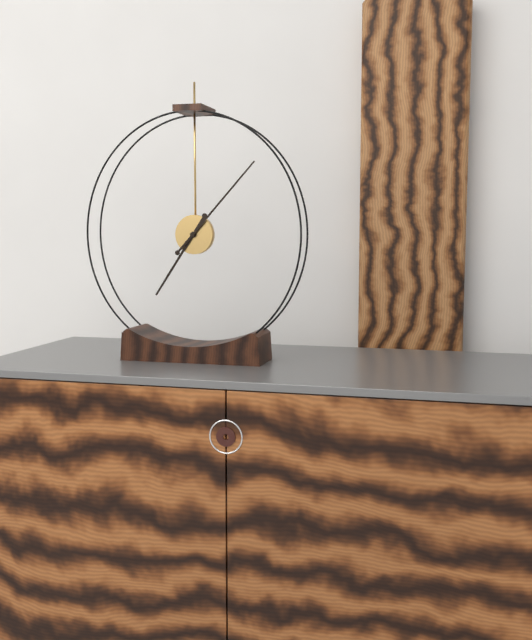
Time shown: 7:07
